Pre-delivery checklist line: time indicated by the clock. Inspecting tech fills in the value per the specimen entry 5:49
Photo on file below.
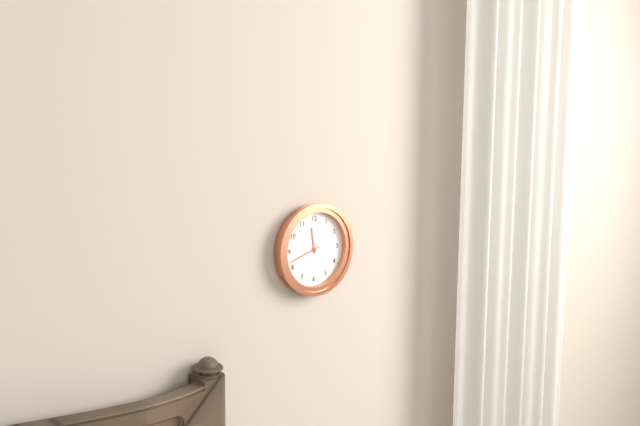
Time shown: 11:42
